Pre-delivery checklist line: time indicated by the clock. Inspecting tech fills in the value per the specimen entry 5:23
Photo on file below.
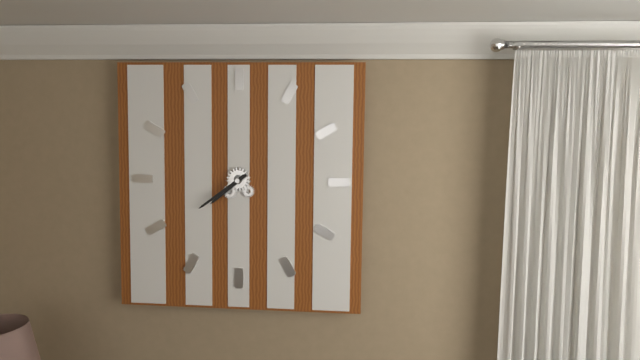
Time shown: 7:39
